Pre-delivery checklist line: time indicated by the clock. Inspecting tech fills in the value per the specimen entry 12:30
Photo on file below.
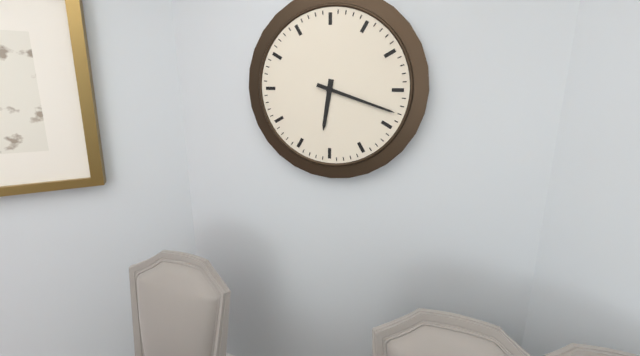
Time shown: 6:18
